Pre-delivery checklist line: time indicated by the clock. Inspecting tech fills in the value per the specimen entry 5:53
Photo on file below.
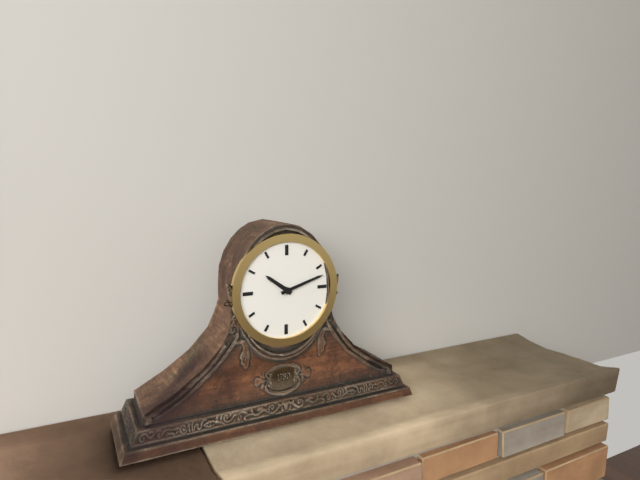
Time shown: 10:12
